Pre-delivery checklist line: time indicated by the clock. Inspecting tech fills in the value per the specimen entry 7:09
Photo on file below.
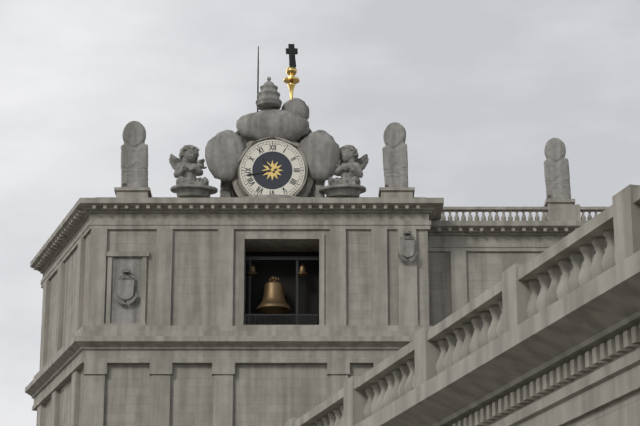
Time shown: 10:43
